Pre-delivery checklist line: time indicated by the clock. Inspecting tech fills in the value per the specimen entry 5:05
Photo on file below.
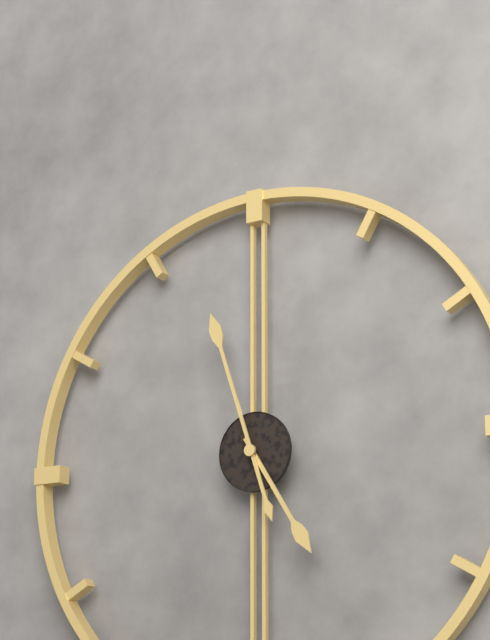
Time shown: 4:57
